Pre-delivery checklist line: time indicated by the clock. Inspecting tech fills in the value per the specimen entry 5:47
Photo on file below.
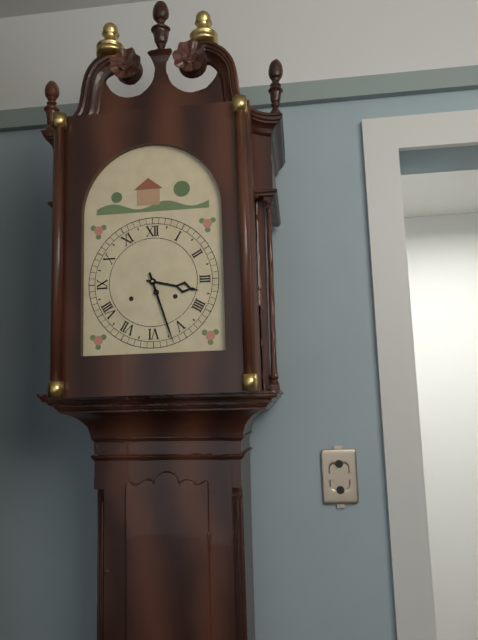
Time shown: 3:27
